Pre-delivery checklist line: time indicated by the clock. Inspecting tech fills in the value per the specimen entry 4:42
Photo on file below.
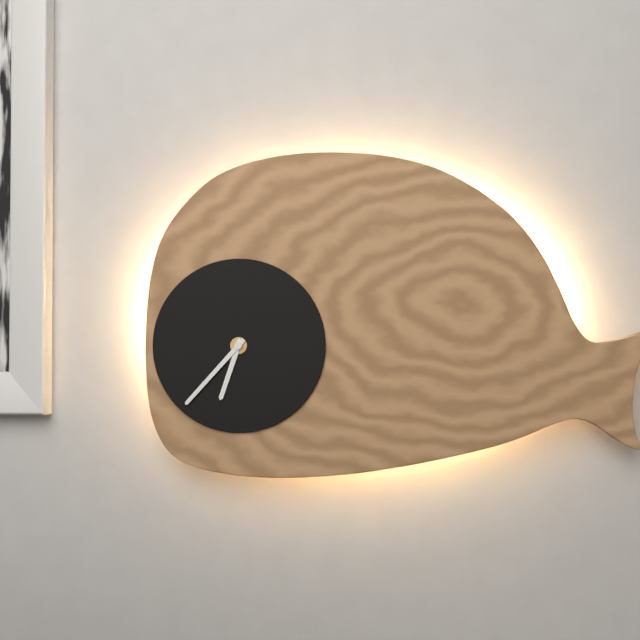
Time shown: 6:37
